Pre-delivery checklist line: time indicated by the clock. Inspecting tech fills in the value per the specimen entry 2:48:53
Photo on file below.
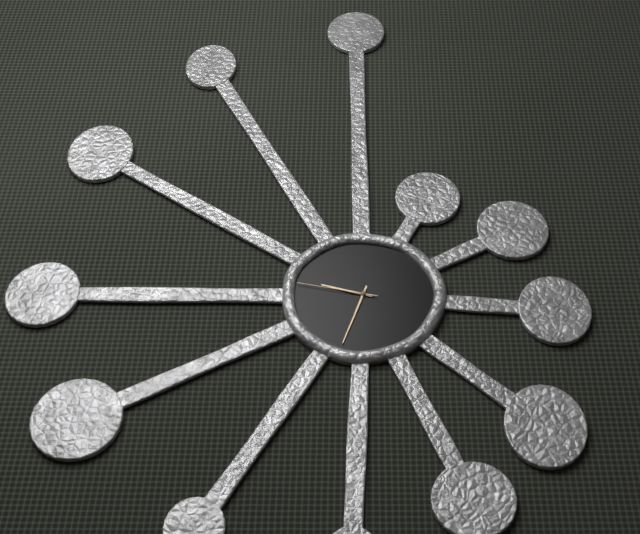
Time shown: 9:33:47
